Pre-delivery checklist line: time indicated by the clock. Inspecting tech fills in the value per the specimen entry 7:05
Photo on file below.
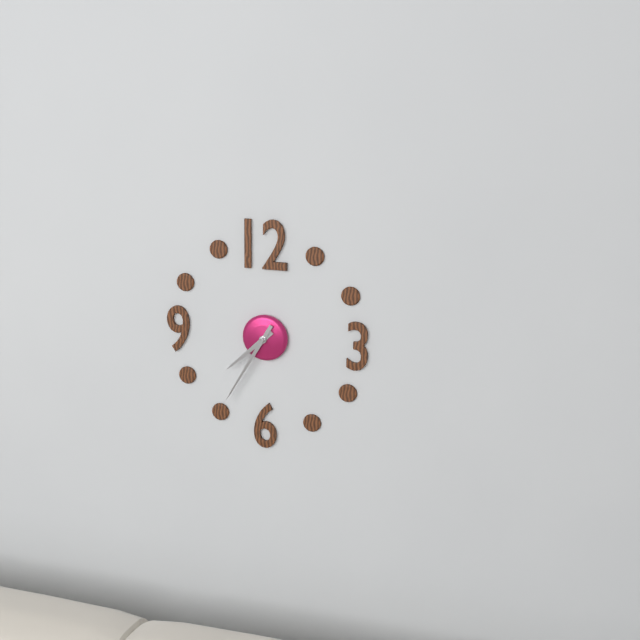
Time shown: 7:35
